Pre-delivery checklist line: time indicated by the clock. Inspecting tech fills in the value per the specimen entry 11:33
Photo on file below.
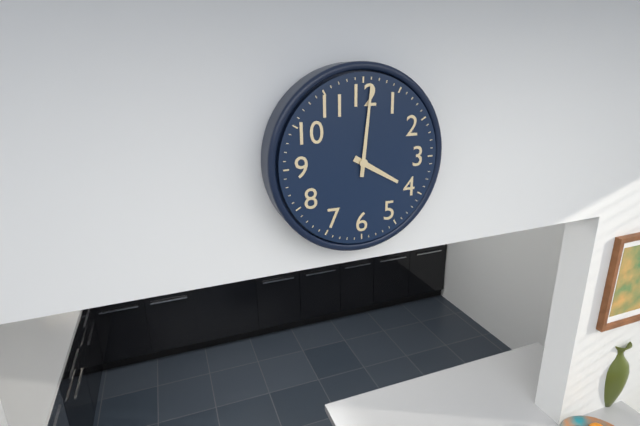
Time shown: 4:01
